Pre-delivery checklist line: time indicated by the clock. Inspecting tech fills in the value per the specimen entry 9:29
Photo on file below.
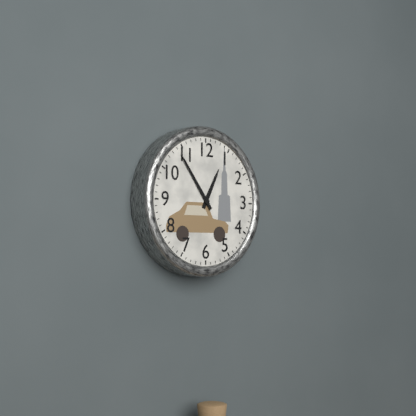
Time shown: 12:54
